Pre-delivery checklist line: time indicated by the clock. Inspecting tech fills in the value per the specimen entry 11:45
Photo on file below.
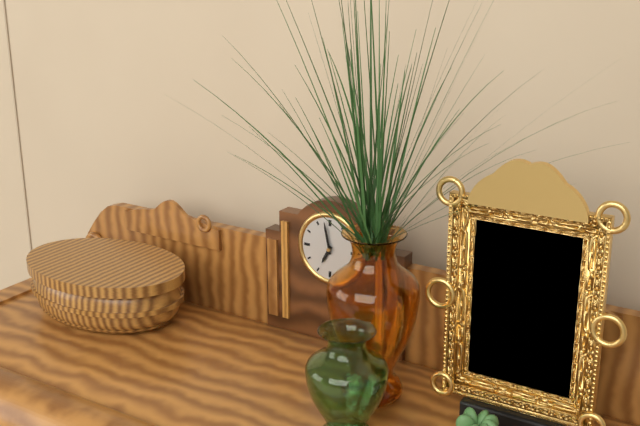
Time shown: 6:58
